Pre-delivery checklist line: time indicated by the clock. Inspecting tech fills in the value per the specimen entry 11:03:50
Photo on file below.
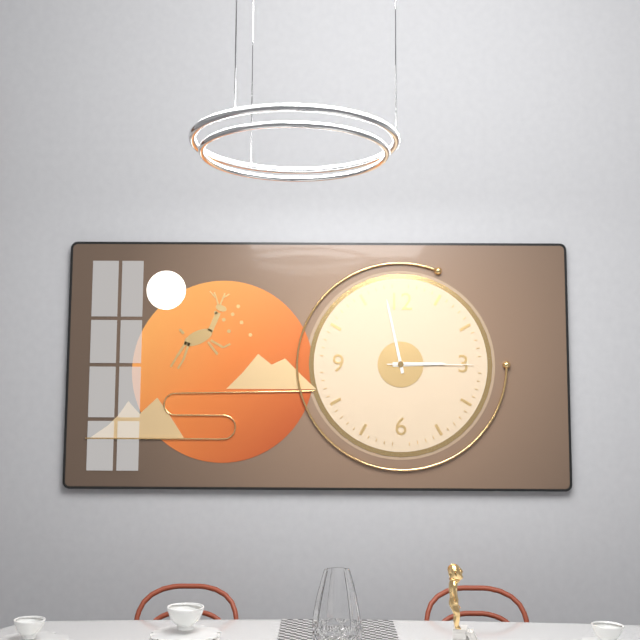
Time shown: 2:58:15
